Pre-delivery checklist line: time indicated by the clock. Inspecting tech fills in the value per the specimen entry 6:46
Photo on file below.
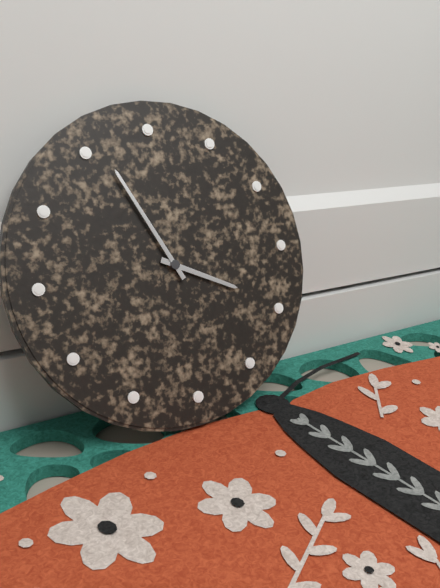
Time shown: 3:56
